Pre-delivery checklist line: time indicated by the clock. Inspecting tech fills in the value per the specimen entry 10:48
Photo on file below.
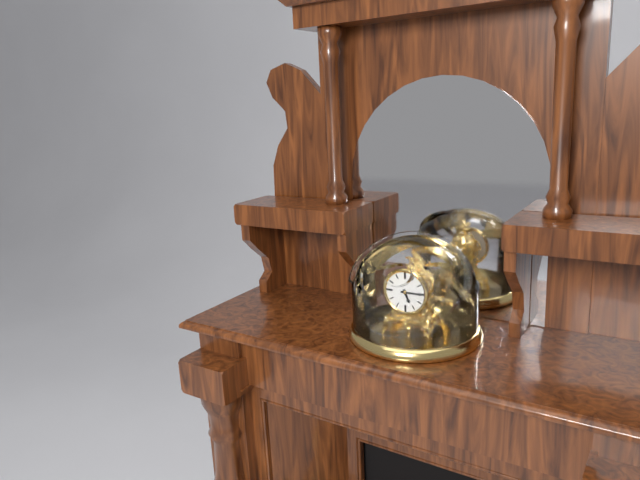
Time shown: 5:15
